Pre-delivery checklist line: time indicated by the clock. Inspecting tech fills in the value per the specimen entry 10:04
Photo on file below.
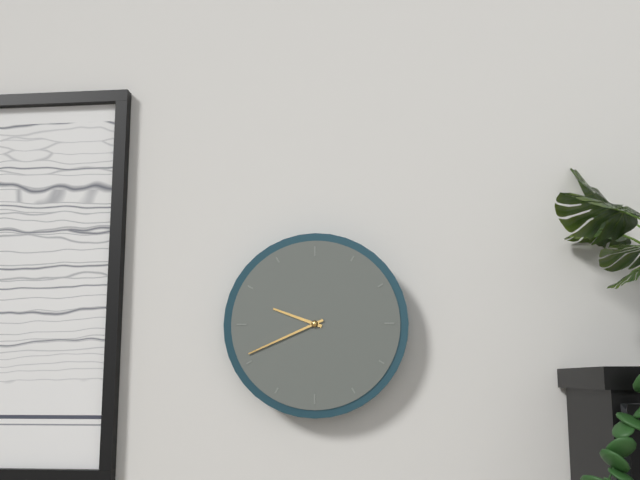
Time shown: 9:41
